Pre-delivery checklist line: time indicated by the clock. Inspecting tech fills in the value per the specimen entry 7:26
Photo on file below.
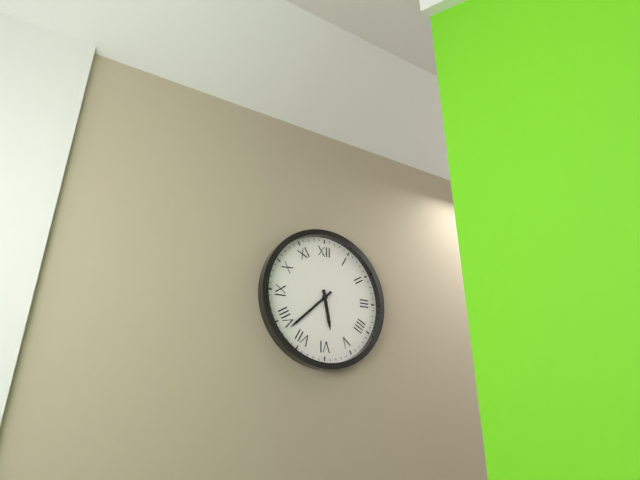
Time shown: 5:38
